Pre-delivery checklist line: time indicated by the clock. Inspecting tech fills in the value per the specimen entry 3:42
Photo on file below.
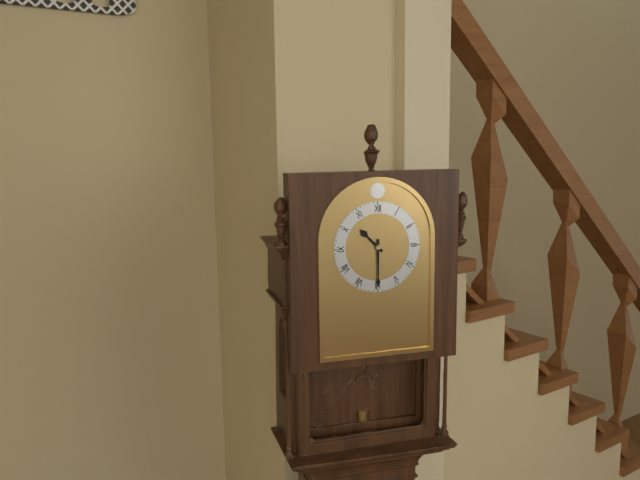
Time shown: 10:30
